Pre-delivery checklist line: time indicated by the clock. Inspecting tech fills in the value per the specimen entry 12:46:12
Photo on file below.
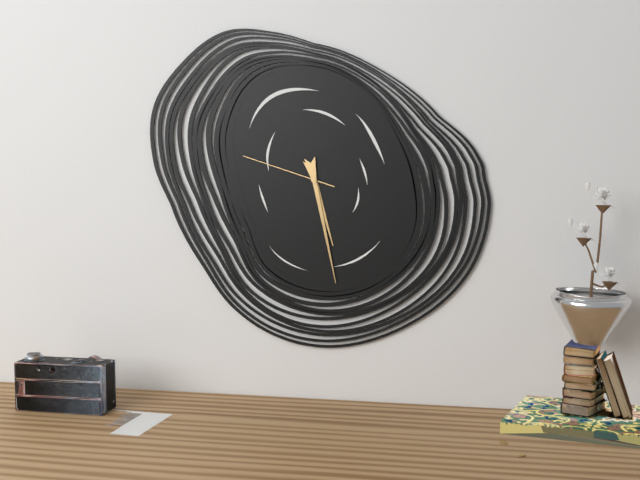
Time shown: 5:28:48
